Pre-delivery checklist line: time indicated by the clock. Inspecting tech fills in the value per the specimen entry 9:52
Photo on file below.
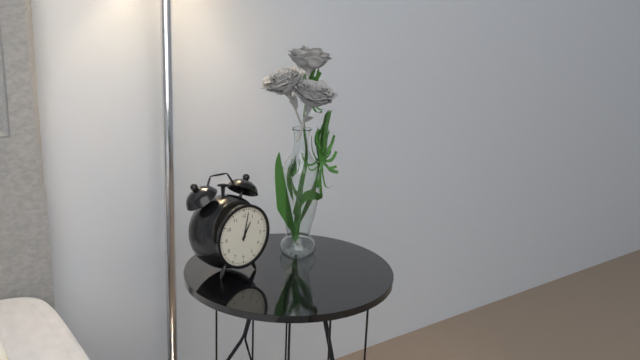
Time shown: 1:02
